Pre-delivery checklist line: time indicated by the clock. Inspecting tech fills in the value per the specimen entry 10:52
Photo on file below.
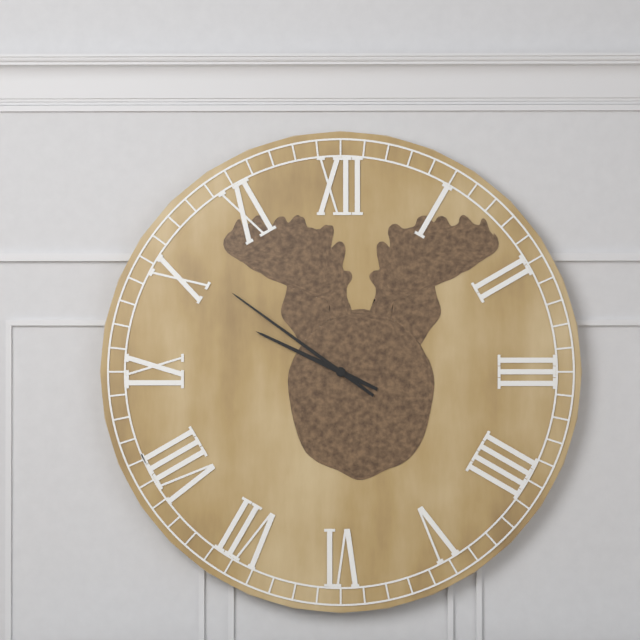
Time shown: 9:51
